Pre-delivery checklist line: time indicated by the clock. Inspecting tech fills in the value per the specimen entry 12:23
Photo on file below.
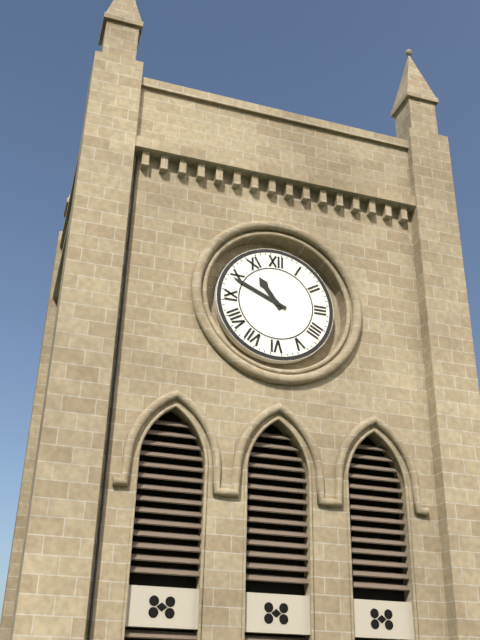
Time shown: 10:49
